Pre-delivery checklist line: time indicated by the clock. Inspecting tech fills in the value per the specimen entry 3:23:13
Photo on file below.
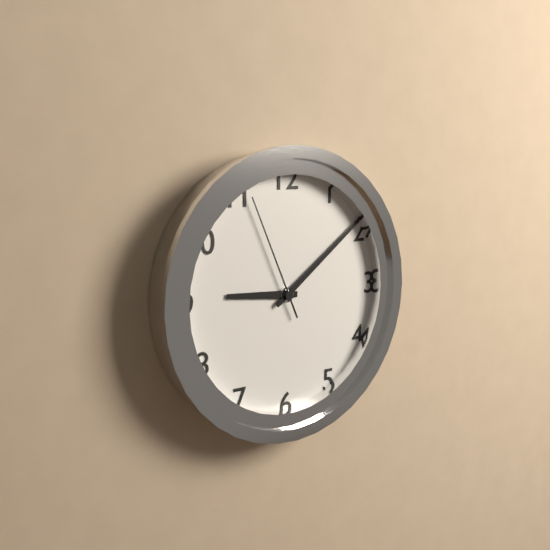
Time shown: 9:09:56
